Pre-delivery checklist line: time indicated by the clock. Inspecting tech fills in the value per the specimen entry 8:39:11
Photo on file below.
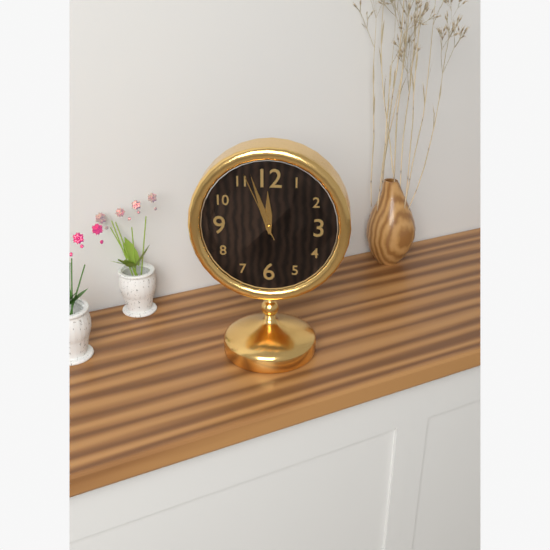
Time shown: 11:57:56
